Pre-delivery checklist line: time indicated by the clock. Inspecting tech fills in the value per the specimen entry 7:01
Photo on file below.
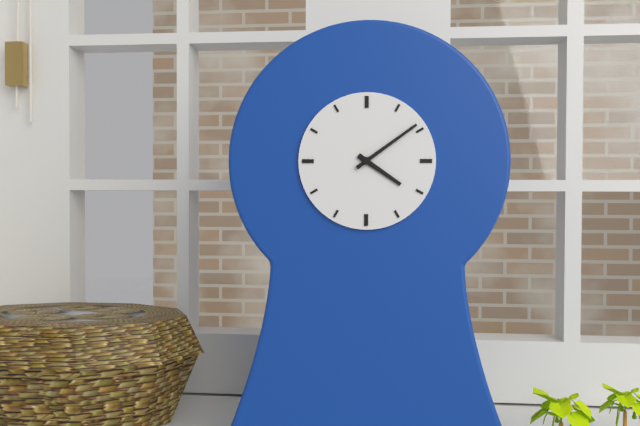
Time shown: 4:09
